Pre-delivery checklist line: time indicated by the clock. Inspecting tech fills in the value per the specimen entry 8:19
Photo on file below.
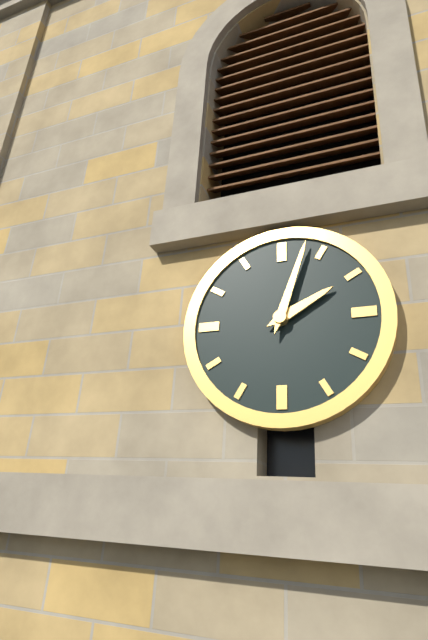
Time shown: 2:03
